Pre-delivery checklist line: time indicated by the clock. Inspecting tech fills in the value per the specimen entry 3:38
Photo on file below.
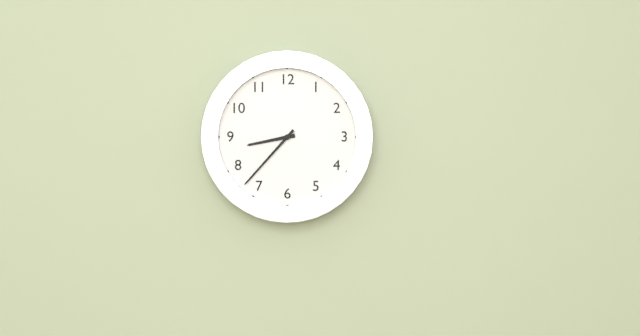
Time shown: 8:37
